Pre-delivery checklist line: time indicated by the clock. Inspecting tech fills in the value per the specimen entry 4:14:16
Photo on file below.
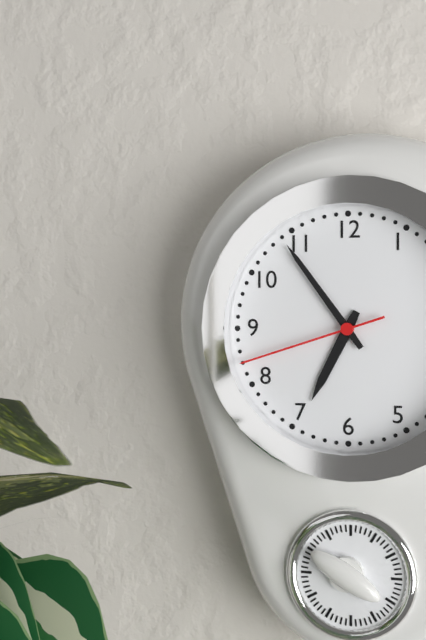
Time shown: 6:54:42
